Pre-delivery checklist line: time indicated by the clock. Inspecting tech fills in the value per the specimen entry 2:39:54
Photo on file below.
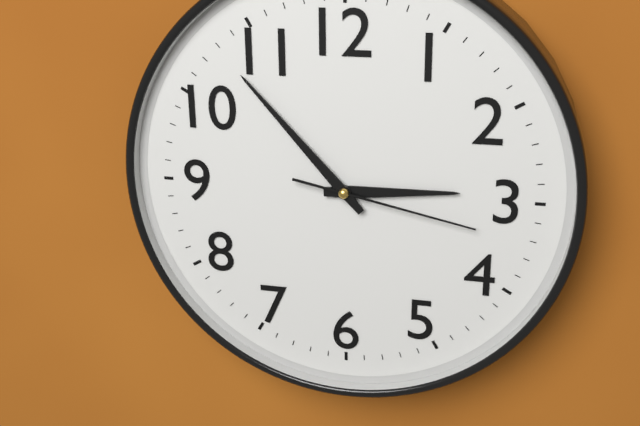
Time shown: 2:53:17
